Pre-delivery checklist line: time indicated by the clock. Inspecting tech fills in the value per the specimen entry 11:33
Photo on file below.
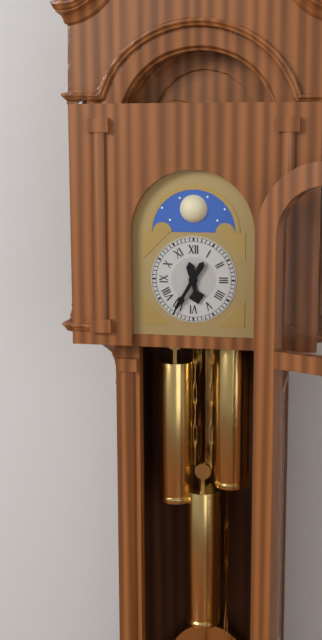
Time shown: 5:35
